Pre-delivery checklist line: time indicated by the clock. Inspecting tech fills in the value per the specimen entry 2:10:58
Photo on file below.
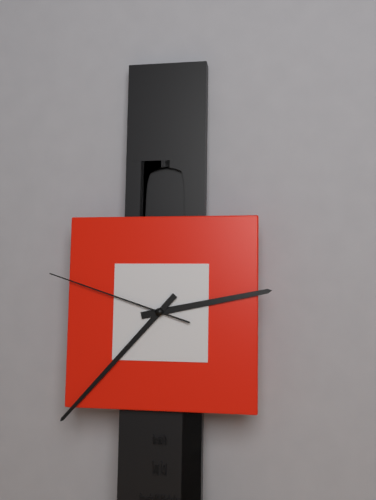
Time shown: 2:37:48
